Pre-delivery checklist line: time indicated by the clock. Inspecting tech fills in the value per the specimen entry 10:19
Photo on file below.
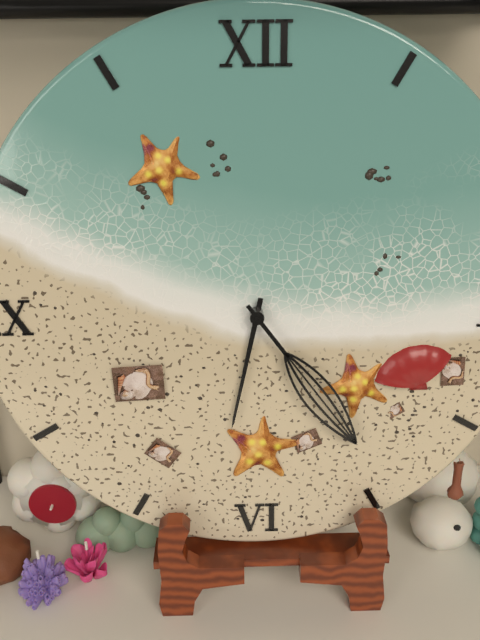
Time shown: 6:24
